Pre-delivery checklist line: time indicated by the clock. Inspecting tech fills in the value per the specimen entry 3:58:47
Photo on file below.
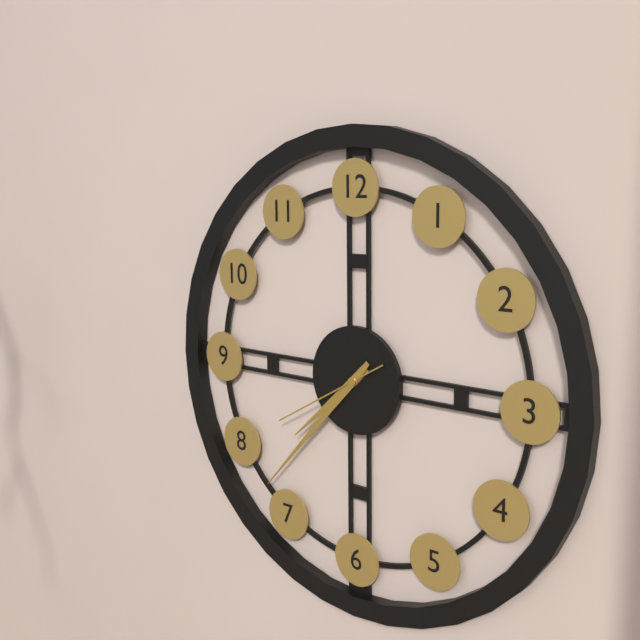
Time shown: 7:37:40
